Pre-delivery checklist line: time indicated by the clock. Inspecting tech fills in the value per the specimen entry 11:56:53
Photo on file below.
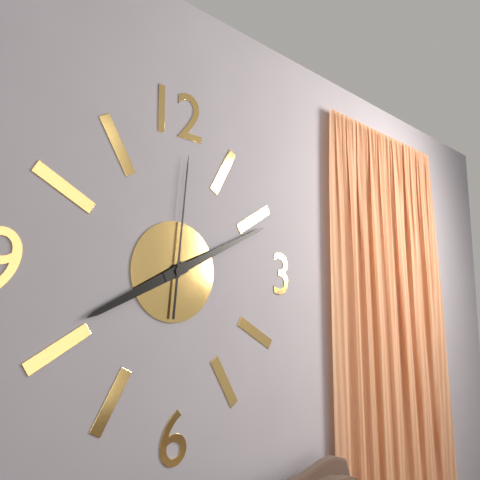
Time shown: 8:11:01
